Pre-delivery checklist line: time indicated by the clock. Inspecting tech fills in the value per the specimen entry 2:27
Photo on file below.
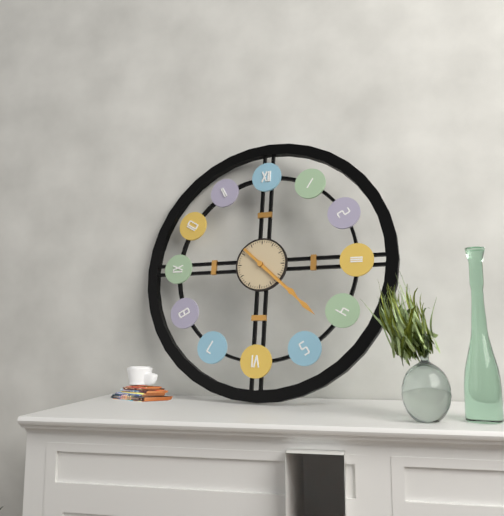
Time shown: 4:22
